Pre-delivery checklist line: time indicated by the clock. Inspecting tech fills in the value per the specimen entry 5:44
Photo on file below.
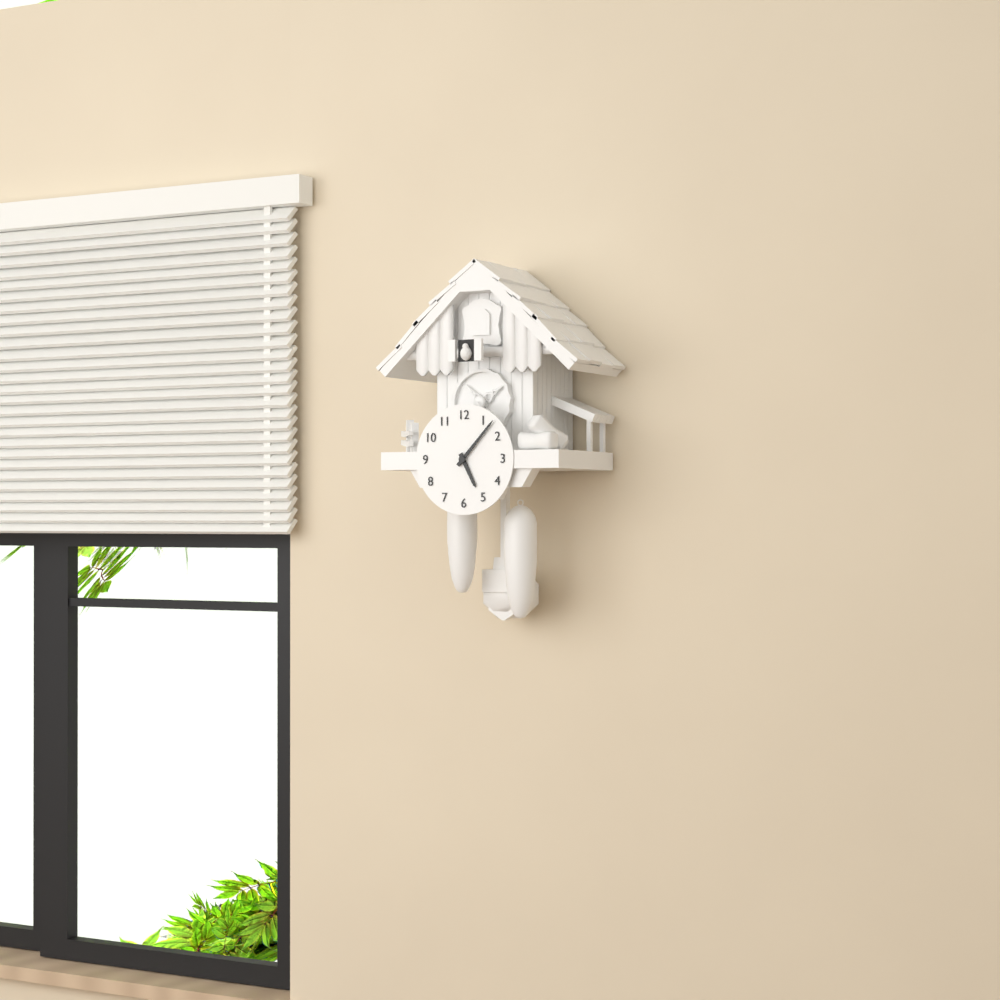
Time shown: 5:07
